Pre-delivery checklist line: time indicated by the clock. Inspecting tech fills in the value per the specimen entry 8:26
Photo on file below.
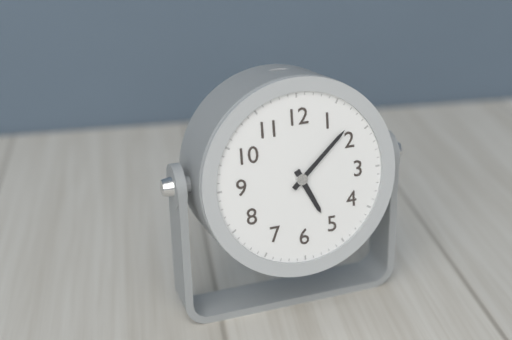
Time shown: 5:08
